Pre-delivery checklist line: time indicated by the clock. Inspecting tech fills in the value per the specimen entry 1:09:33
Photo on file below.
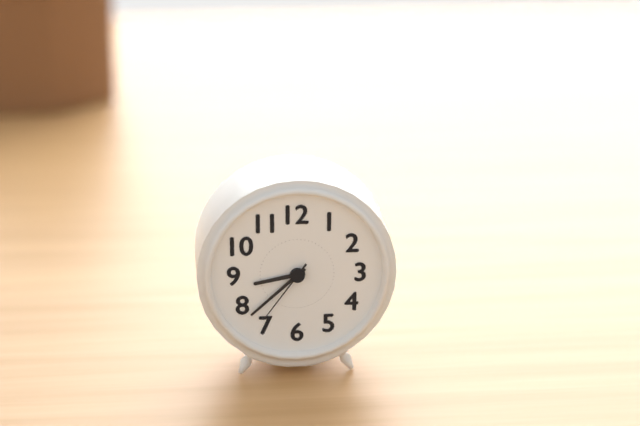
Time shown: 8:38:36
